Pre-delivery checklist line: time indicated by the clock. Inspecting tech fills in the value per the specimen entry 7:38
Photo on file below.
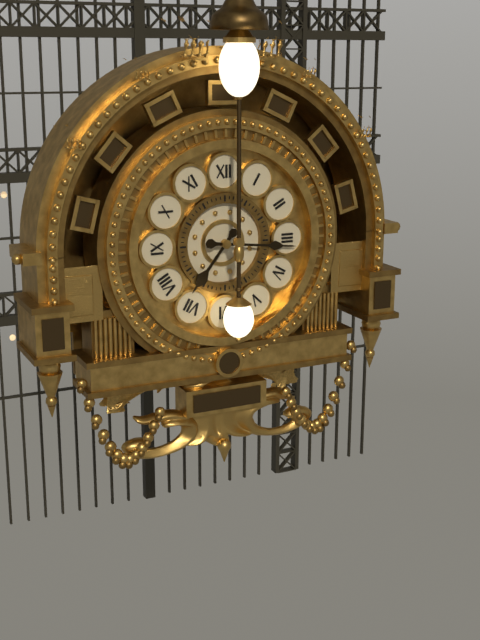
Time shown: 7:16
